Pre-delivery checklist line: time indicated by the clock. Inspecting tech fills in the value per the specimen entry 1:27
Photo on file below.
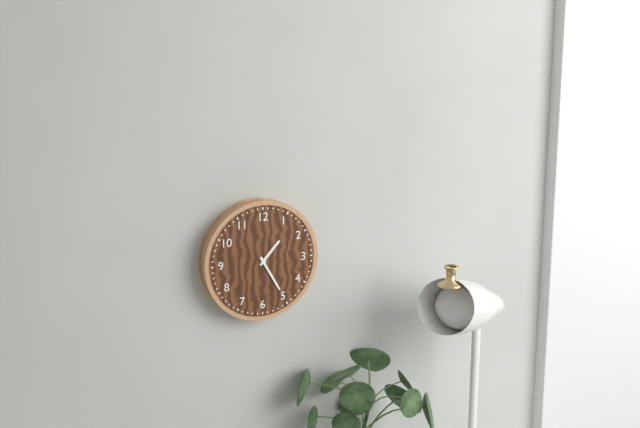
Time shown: 1:25
